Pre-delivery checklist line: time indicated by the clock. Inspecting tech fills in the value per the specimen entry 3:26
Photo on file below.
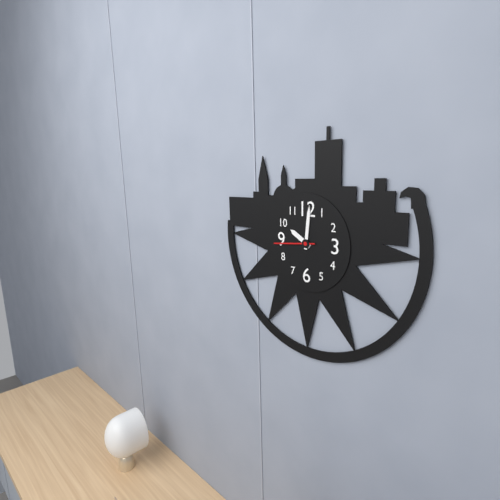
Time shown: 10:01
